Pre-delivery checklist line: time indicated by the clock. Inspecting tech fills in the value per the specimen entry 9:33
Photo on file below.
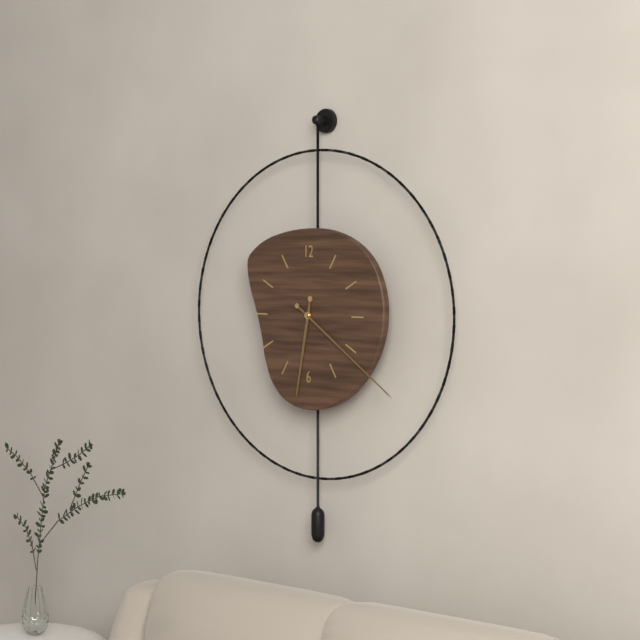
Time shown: 6:21
